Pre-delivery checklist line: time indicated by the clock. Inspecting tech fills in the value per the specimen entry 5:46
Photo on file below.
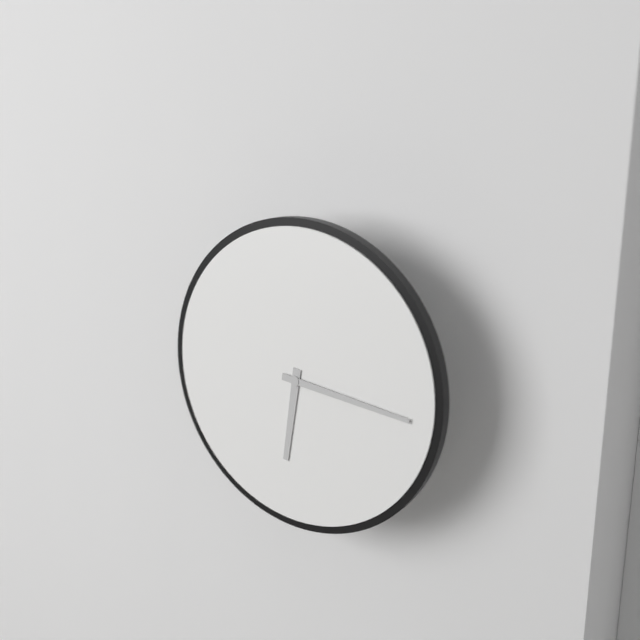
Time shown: 6:16
